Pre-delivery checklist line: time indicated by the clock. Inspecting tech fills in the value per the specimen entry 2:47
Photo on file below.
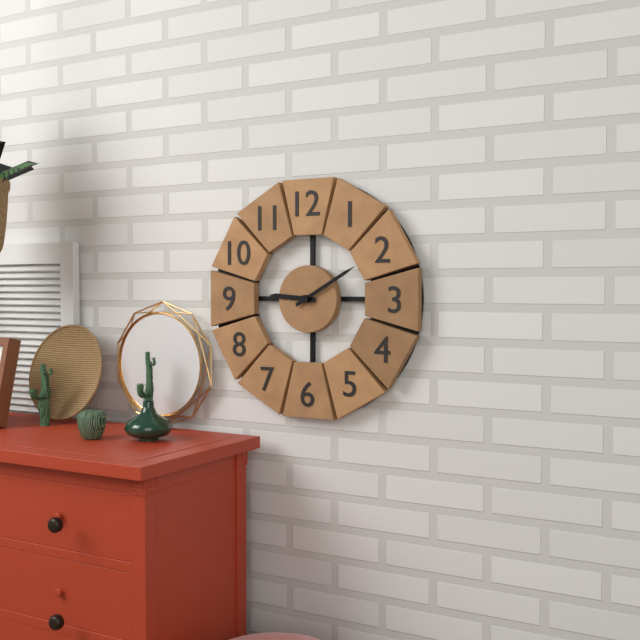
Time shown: 9:10
